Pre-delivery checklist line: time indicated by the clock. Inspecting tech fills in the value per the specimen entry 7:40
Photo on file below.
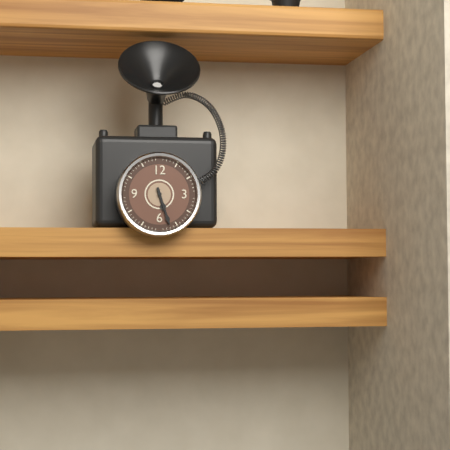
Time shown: 5:27
